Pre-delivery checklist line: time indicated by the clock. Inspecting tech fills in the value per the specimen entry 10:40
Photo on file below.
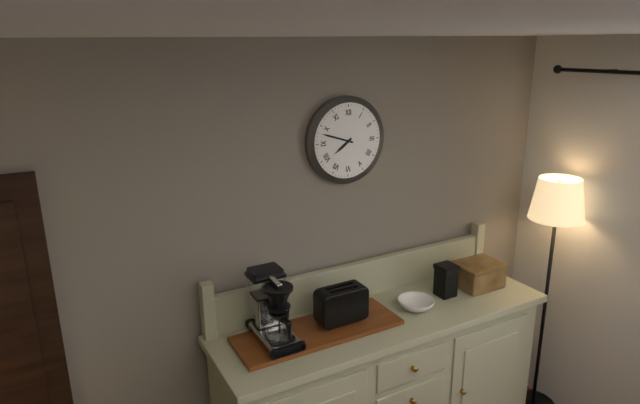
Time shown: 7:48
